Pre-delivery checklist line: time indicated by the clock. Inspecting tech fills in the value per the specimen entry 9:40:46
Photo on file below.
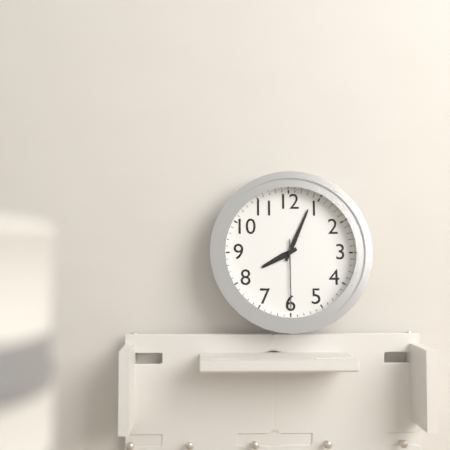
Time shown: 8:04:30
